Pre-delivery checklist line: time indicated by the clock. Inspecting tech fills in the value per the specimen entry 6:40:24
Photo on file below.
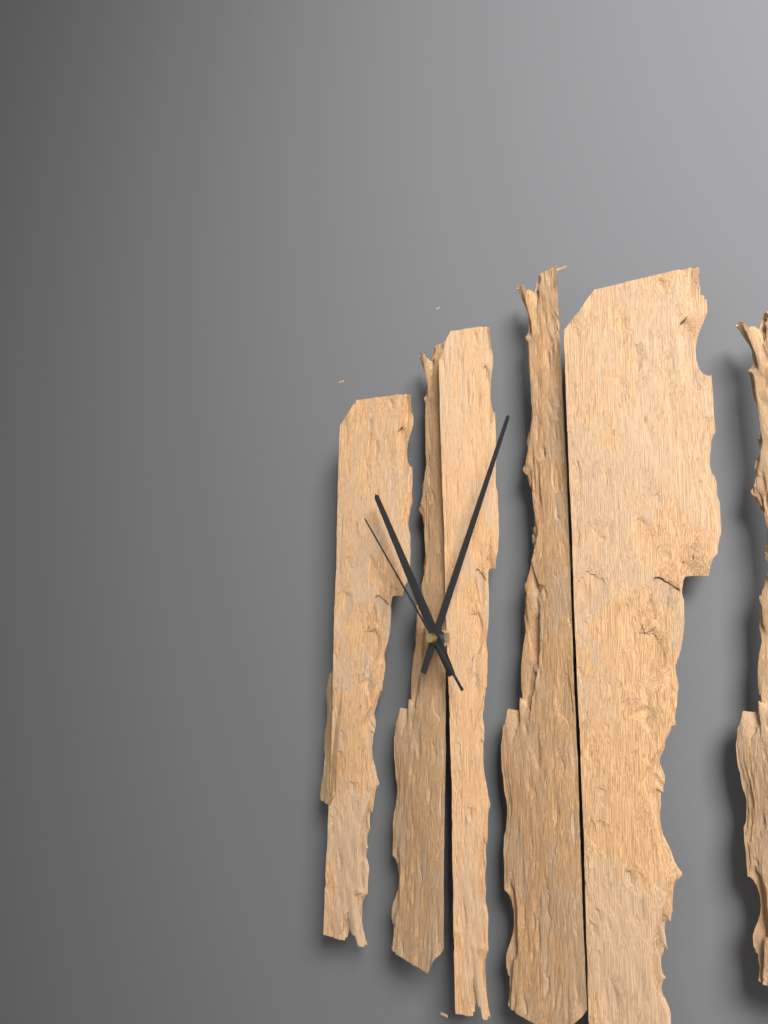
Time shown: 11:04:54
